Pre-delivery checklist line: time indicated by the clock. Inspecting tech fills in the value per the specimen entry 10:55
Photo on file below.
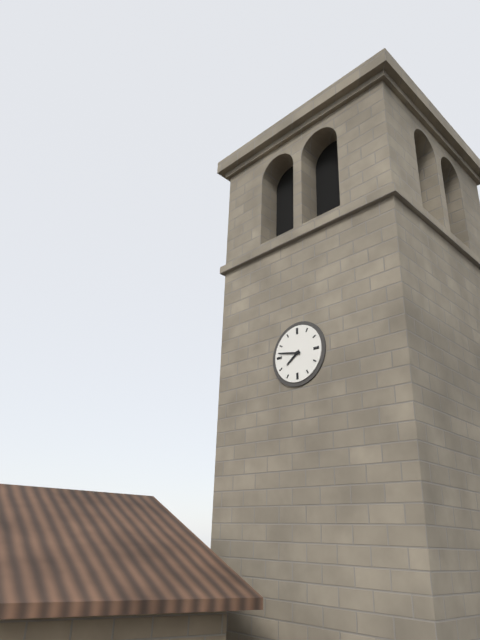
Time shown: 7:47
